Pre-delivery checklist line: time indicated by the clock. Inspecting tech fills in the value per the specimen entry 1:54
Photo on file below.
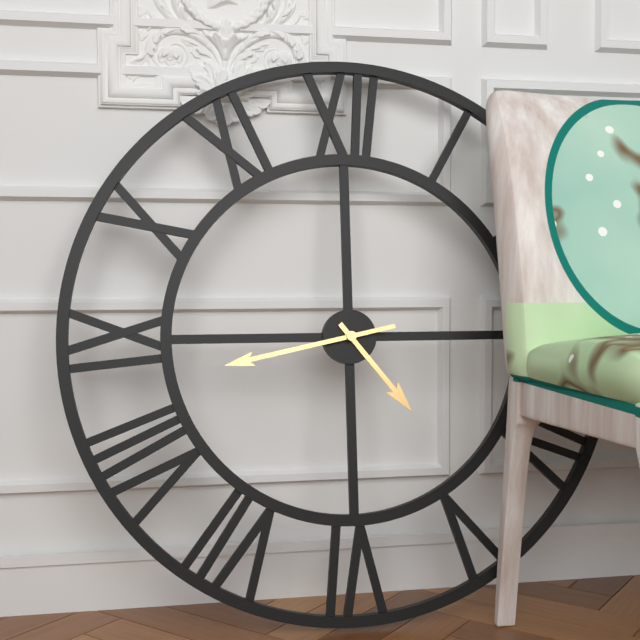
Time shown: 4:43
